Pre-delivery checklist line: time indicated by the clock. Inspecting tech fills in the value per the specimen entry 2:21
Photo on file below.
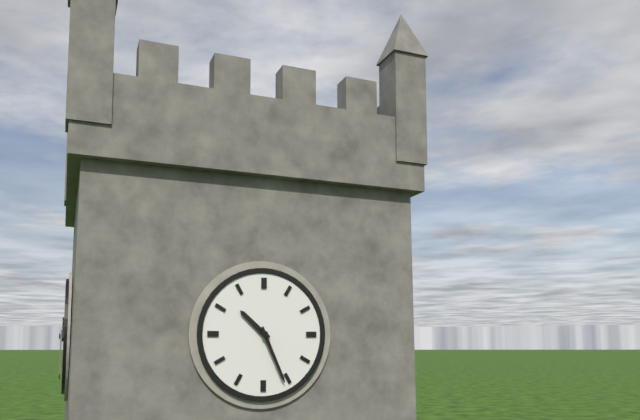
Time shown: 10:26
